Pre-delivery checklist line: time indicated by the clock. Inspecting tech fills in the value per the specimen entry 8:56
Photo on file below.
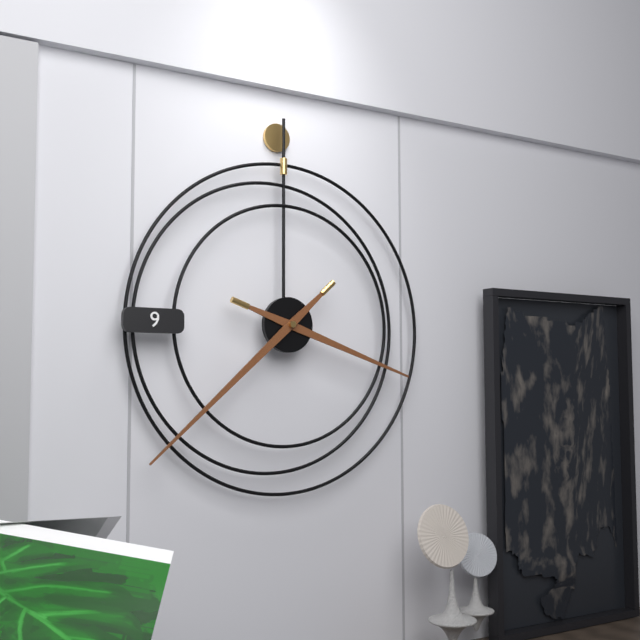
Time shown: 3:38
